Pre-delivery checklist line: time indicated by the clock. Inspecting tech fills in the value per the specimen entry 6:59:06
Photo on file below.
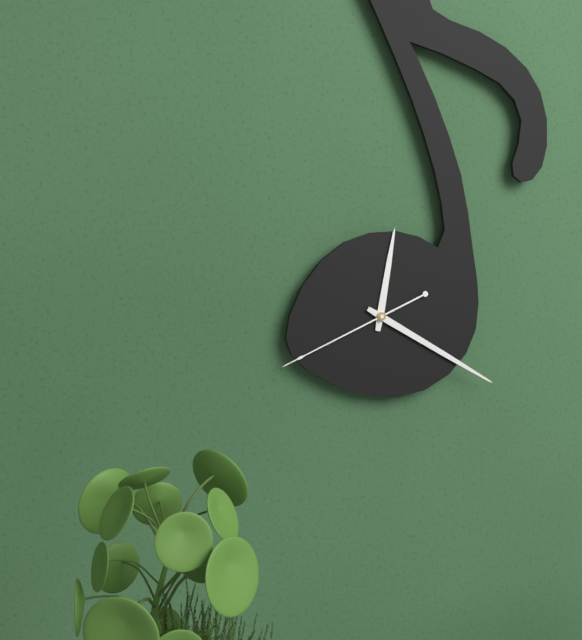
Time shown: 12:20:41
